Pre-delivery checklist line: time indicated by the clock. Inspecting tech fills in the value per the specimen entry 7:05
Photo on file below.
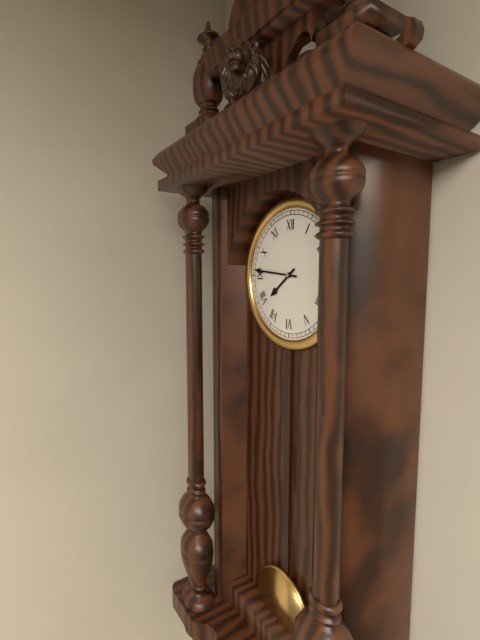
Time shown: 7:46
